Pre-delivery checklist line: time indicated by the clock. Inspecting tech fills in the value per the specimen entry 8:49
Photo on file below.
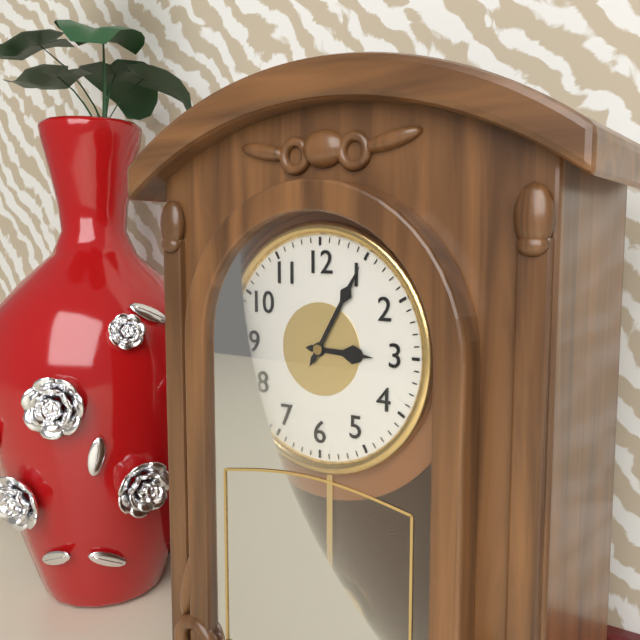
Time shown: 3:05
